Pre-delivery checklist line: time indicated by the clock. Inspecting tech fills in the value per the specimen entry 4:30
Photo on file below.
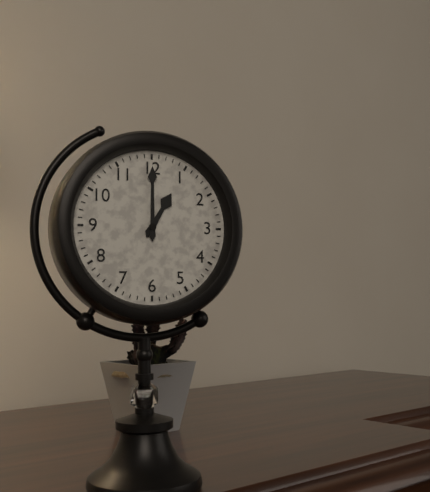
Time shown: 1:00
